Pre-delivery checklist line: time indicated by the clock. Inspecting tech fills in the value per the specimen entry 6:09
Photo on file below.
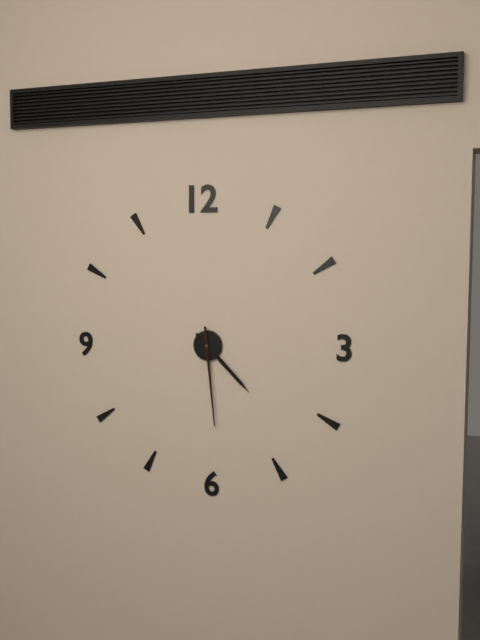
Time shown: 4:29
